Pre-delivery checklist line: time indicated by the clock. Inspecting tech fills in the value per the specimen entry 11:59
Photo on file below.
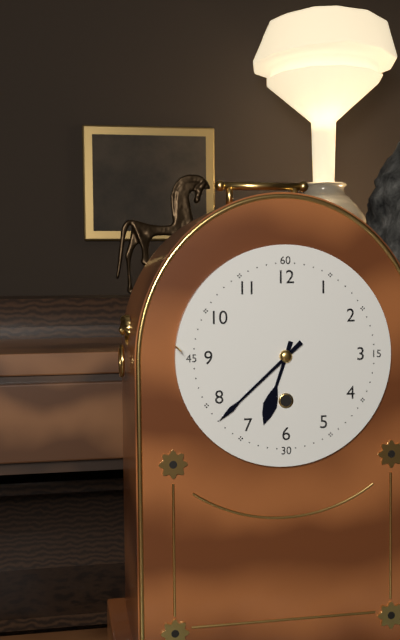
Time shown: 6:38
